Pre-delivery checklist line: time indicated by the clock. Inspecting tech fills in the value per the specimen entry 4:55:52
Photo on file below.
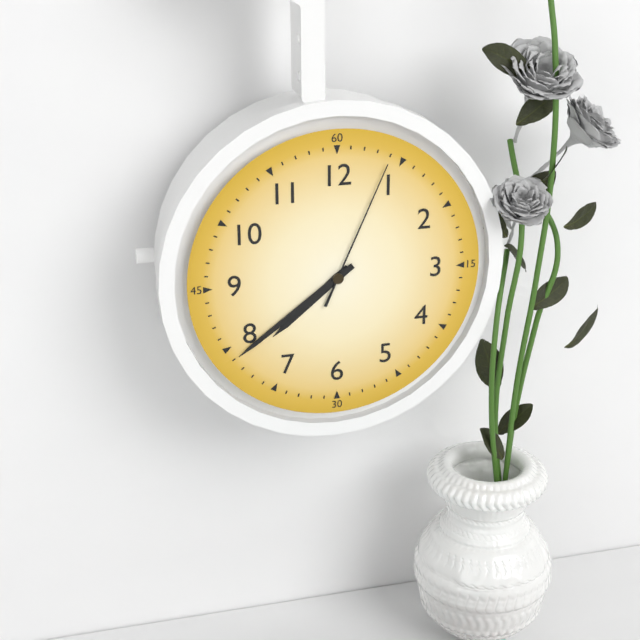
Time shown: 7:39:04
